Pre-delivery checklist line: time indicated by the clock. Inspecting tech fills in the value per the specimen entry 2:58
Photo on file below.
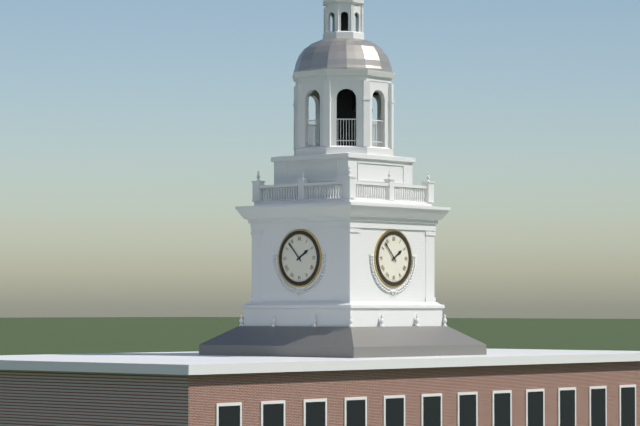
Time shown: 1:53
